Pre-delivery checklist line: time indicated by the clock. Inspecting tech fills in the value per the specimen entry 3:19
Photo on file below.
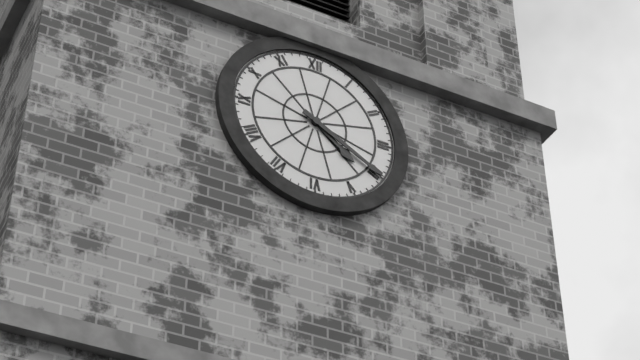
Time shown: 4:20
